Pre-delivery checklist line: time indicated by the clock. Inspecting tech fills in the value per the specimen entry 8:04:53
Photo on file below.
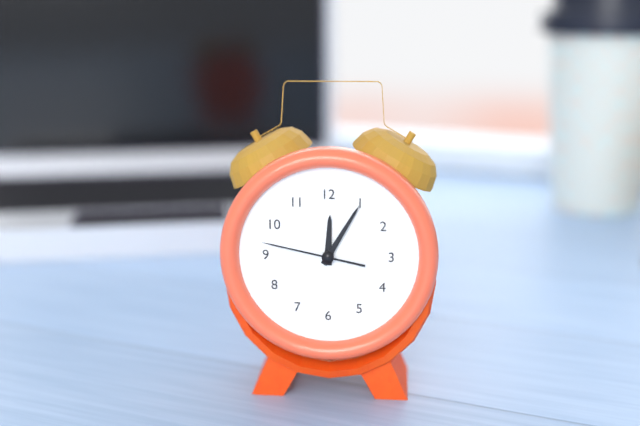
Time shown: 12:05:47
